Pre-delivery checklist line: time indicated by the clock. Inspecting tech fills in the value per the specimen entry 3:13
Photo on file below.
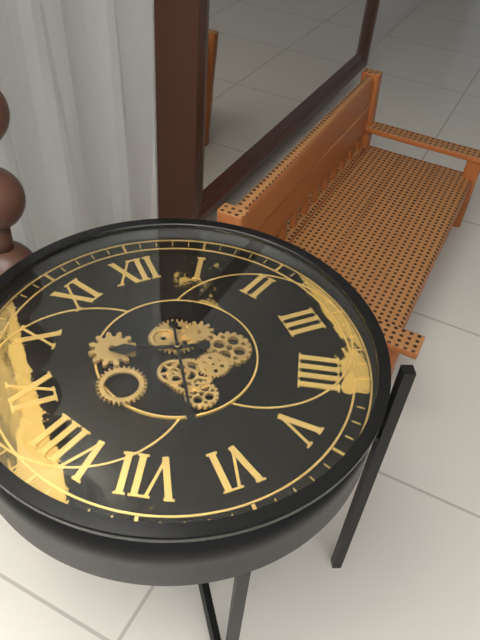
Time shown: 9:32
